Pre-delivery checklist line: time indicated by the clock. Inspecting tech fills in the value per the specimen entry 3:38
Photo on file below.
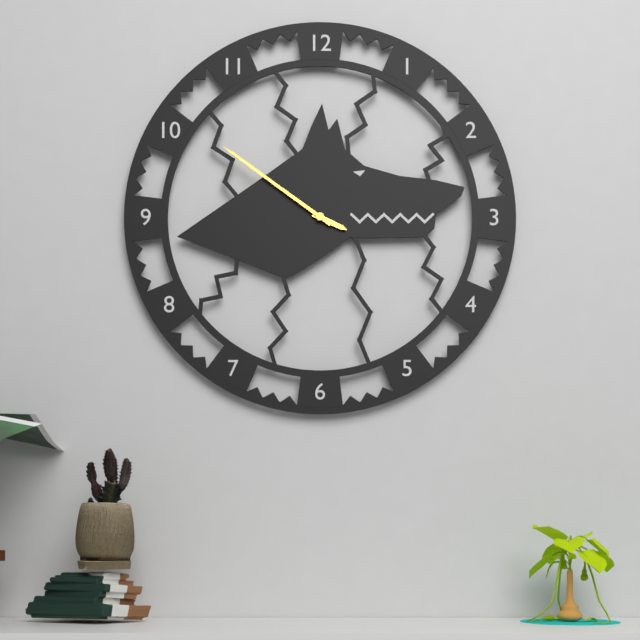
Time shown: 3:51
